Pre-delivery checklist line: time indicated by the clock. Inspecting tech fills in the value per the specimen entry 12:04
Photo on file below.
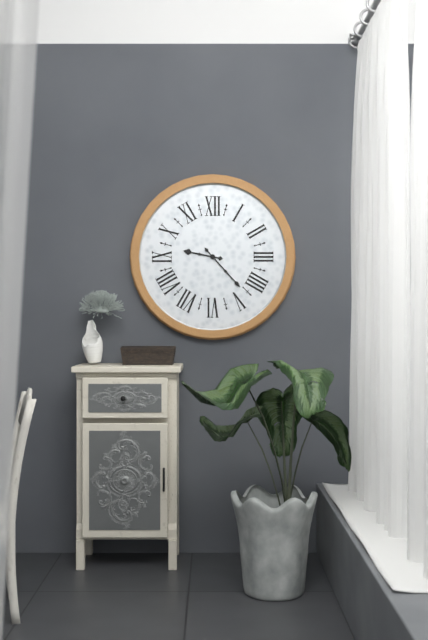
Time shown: 9:23
